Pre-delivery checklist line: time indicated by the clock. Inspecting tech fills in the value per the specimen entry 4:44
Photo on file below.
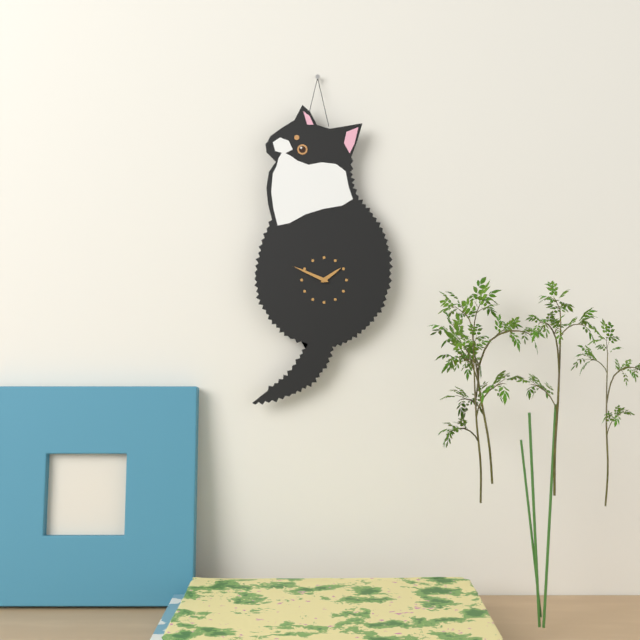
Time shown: 1:49
